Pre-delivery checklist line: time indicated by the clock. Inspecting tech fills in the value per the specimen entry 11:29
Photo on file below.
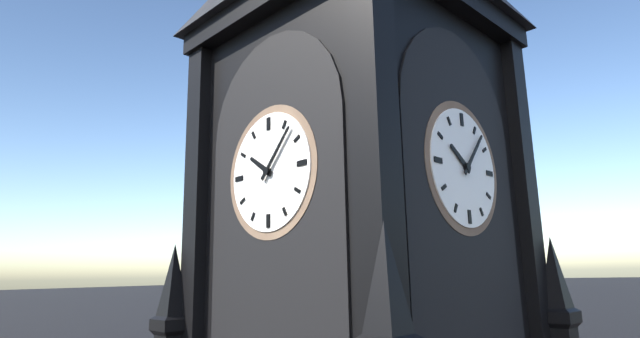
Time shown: 10:07
